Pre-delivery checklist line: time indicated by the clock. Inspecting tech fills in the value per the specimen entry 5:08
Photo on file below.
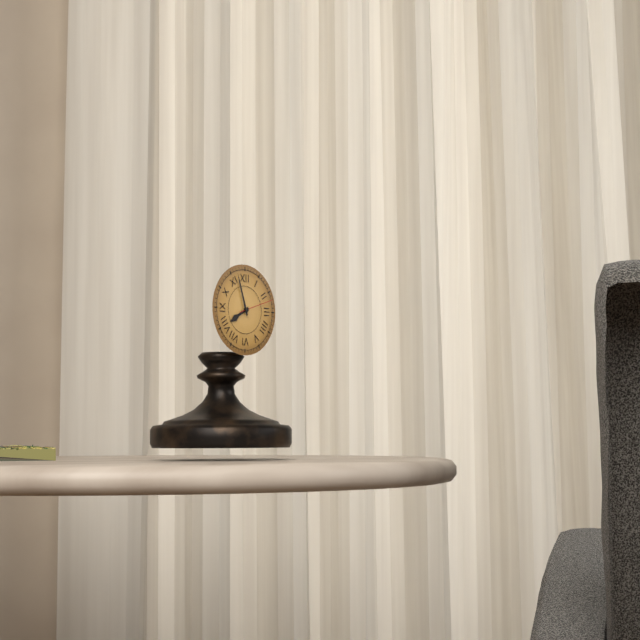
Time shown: 7:57
